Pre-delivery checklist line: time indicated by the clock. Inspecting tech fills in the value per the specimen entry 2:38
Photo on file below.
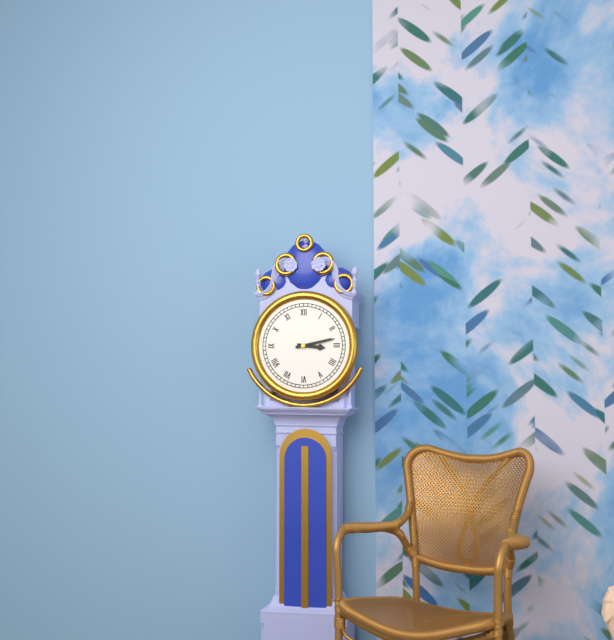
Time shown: 3:13
